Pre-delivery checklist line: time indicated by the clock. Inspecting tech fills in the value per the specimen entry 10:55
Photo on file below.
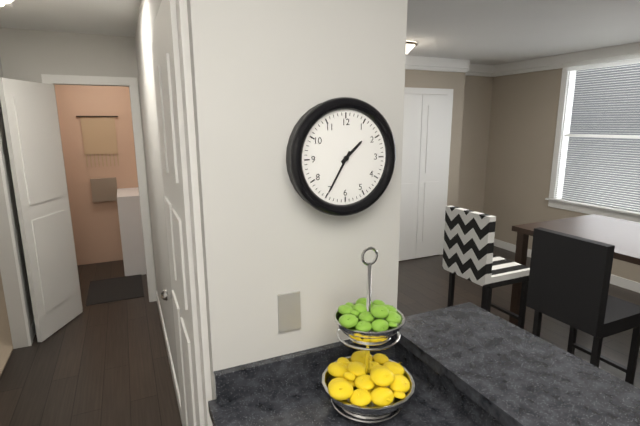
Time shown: 1:35
